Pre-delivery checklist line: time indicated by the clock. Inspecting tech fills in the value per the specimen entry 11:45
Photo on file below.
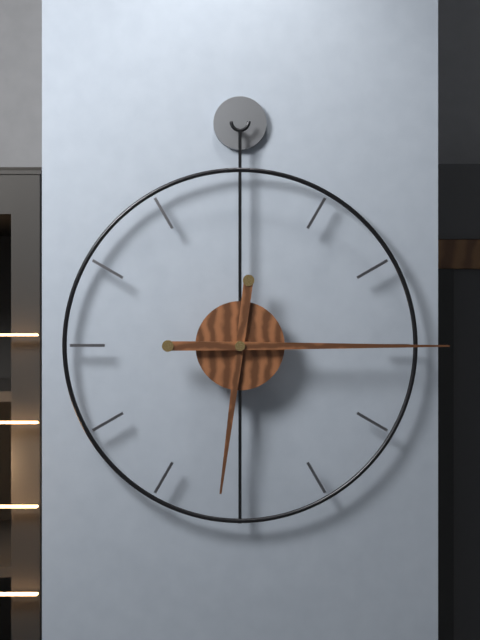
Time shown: 6:15
